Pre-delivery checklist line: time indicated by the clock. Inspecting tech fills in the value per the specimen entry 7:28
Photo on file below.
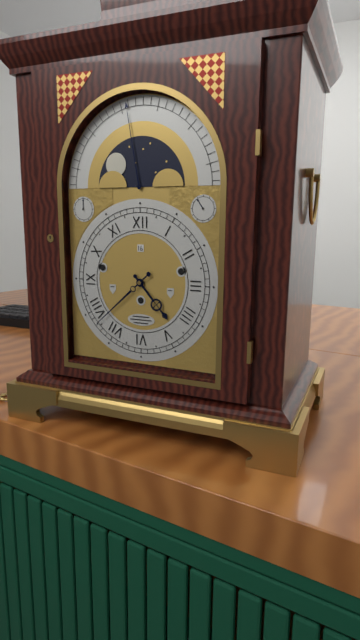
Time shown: 4:38
